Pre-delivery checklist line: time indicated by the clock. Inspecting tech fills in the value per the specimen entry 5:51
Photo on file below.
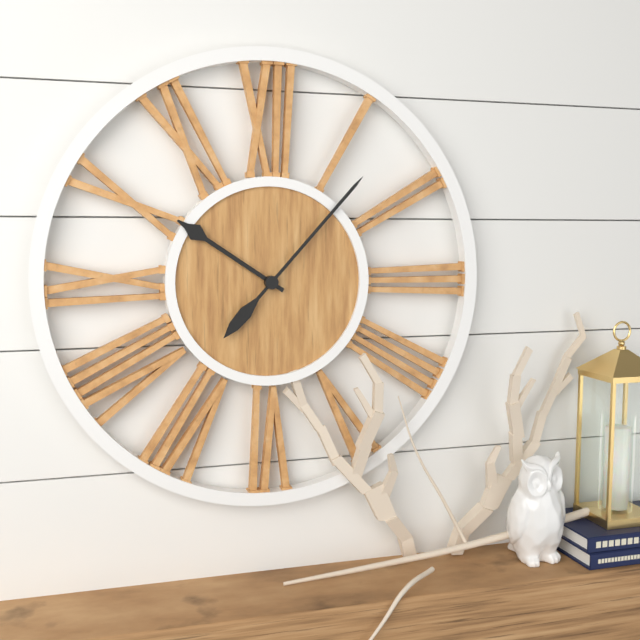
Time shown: 10:07
